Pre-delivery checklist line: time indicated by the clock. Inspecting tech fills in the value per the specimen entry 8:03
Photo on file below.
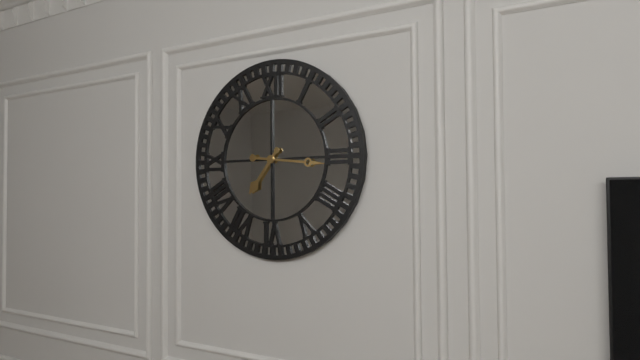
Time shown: 7:16
